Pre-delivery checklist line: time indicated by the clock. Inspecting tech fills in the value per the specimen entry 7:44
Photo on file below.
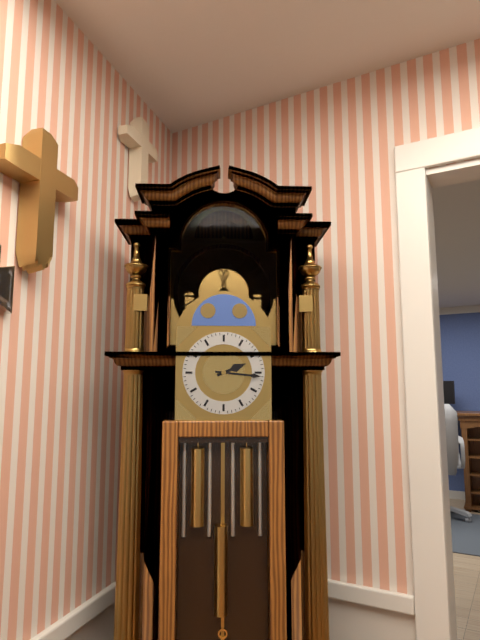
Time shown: 2:16
